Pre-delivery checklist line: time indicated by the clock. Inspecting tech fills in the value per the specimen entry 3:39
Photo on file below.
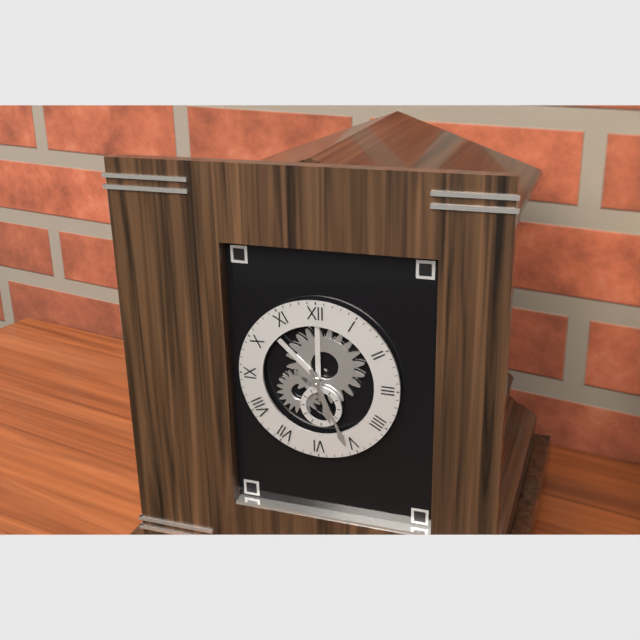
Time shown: 5:26
